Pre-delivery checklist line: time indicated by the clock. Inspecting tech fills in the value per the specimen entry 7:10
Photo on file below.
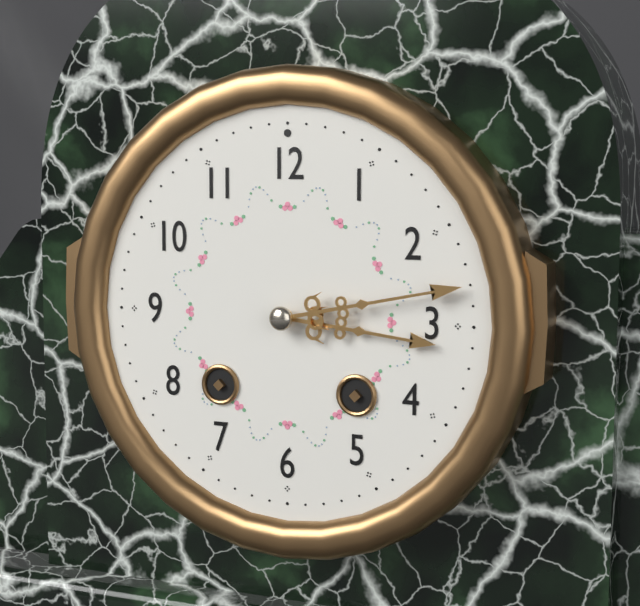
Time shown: 3:13
